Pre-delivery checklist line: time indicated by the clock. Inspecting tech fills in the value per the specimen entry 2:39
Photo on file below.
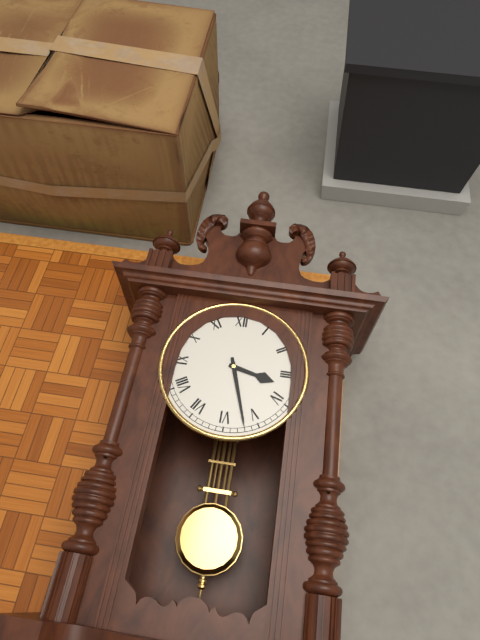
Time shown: 3:27
